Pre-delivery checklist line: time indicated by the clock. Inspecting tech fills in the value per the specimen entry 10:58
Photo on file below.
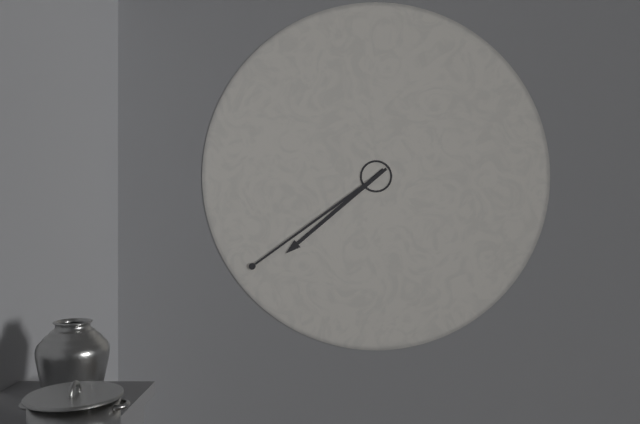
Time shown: 7:39
